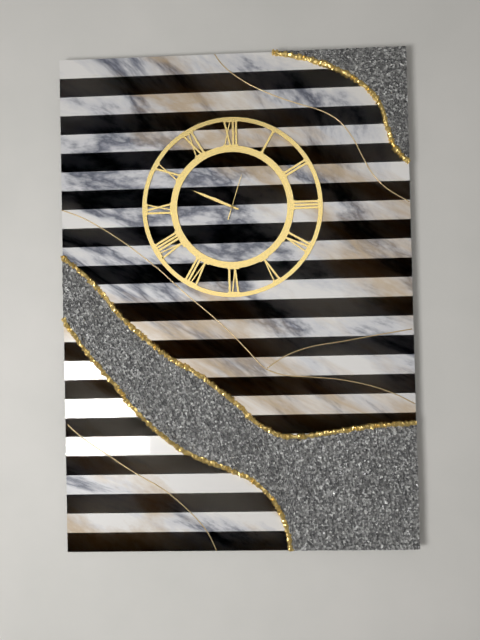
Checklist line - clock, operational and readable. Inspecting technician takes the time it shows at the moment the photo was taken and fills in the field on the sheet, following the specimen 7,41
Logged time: 9,49
